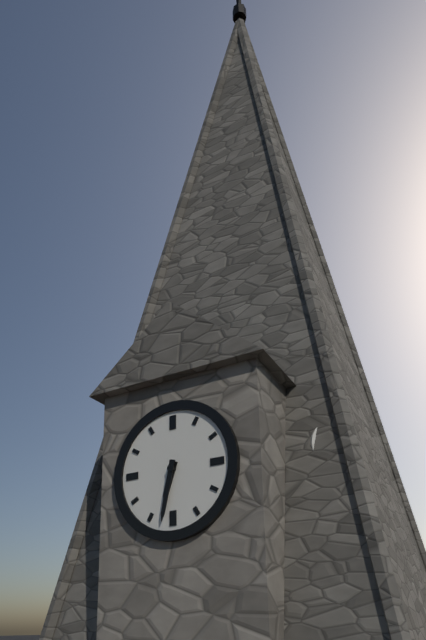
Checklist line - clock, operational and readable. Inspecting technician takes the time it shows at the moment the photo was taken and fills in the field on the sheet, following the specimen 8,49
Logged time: 6,32
